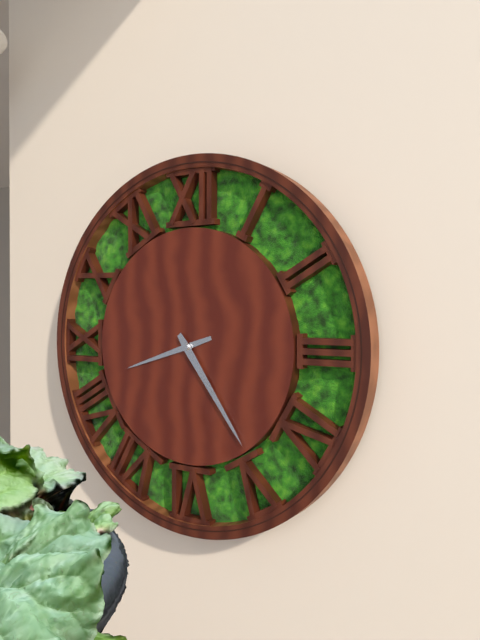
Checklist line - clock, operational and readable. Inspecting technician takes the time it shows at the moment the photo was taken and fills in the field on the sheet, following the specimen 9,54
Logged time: 8,24
